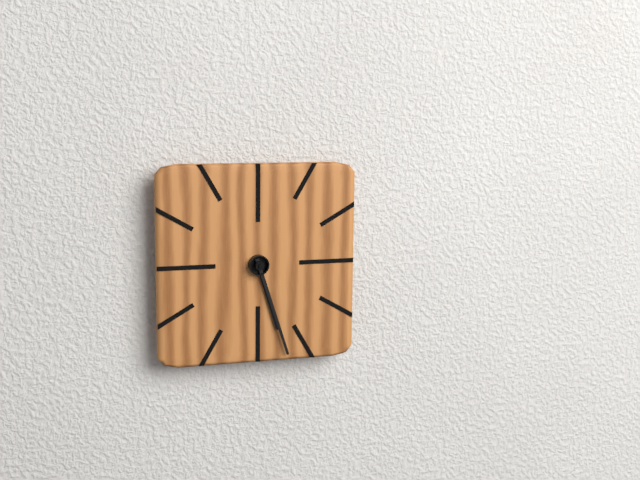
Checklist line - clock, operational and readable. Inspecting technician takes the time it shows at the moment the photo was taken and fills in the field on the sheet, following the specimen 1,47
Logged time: 5,27
